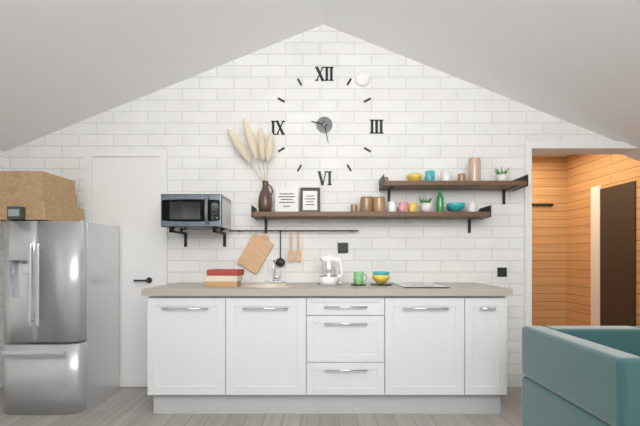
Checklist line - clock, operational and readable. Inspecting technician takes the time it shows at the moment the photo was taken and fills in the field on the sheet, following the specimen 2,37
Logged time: 9,28
